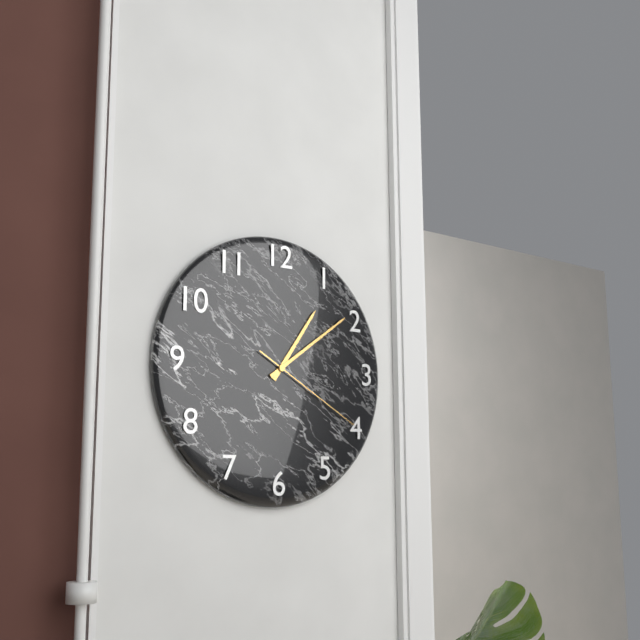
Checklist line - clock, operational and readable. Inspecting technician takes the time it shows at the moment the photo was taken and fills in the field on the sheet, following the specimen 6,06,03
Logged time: 1,09,20
